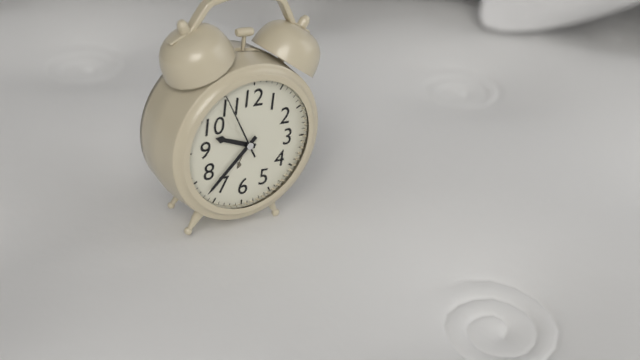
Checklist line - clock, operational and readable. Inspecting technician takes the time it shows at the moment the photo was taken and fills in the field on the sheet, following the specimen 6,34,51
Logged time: 9,37,55
